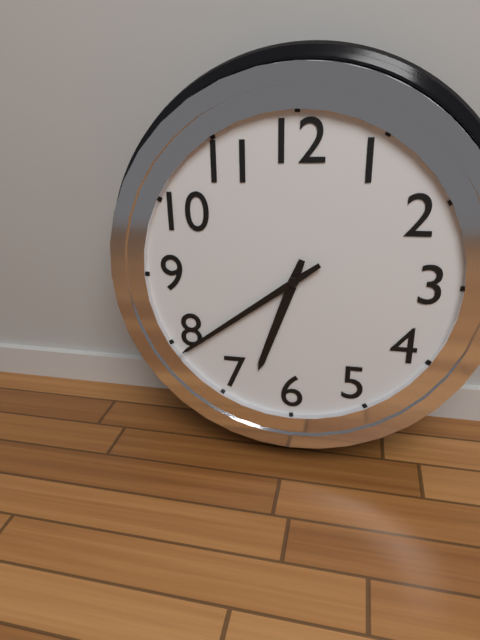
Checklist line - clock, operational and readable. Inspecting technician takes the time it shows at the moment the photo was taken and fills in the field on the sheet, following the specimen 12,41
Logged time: 6,39
